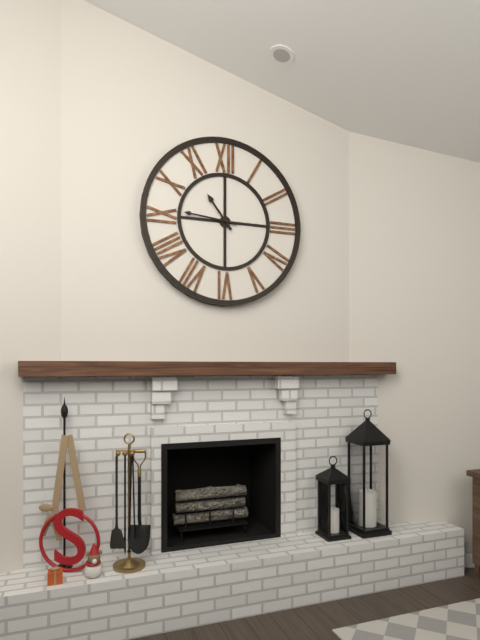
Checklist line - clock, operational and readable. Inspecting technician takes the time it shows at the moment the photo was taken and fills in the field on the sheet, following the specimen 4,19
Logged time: 10,46
